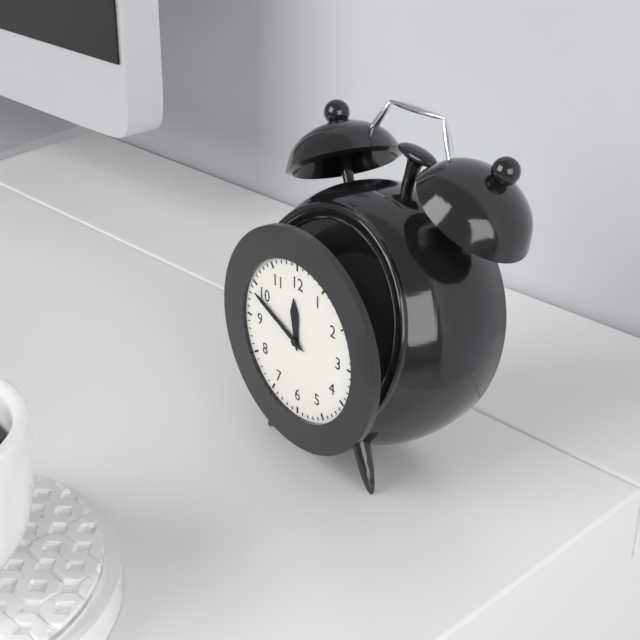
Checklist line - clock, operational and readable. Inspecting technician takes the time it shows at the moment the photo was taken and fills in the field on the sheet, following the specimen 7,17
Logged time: 11,49
